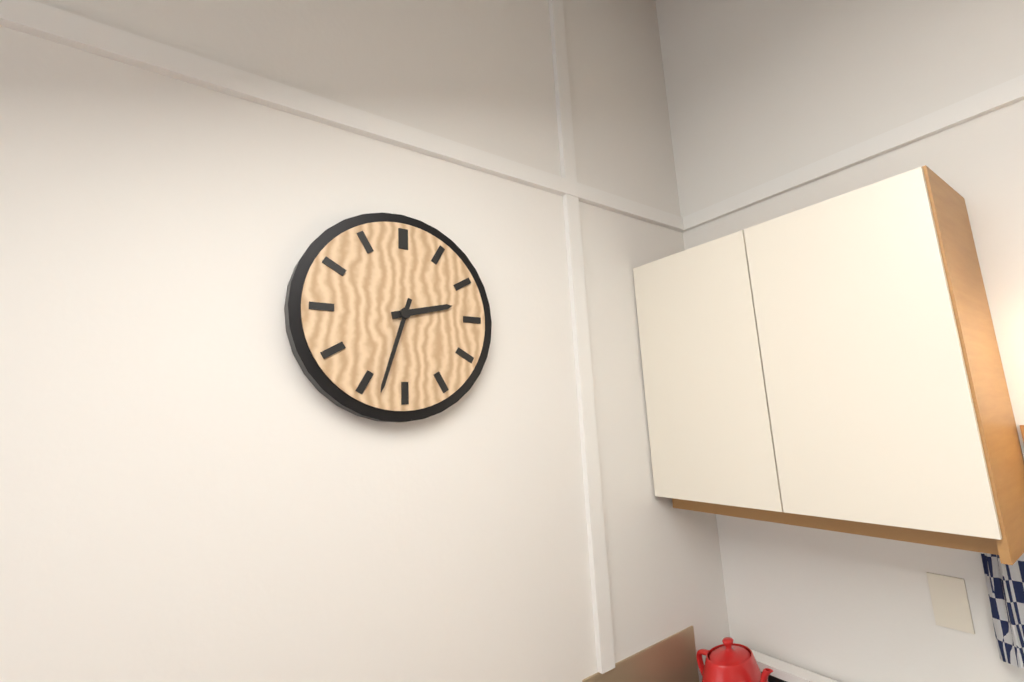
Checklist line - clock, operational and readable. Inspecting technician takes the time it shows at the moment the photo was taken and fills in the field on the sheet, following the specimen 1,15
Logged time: 2,33
